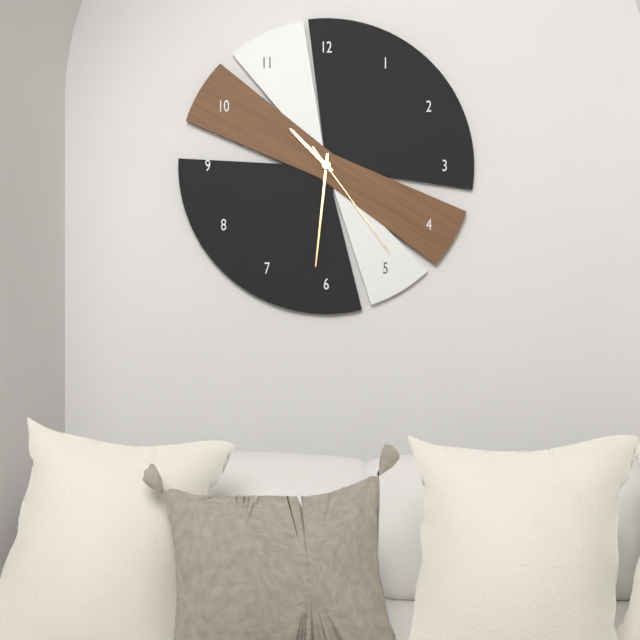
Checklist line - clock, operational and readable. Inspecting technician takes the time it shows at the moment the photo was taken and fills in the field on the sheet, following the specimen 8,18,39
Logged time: 10,31,24
